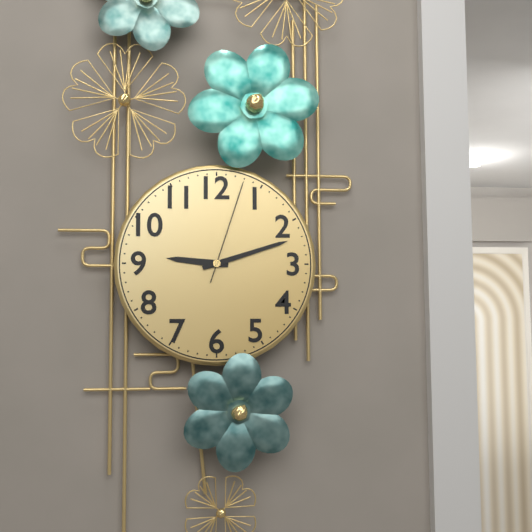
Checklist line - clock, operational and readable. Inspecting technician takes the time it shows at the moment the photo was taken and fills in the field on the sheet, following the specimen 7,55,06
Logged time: 9,12,03
